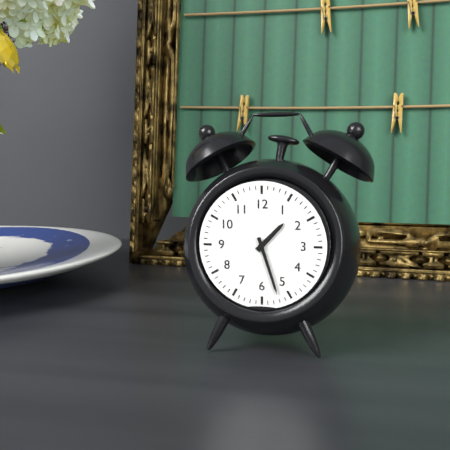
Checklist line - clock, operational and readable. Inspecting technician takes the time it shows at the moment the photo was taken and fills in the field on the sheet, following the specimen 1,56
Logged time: 1,27
